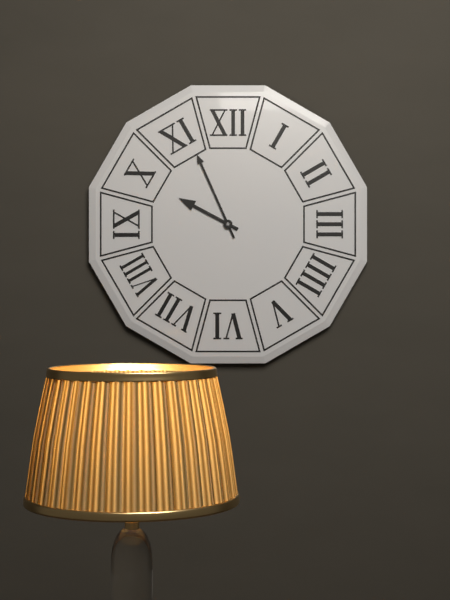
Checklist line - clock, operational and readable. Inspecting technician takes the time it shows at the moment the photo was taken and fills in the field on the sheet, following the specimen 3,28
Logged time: 9,56
